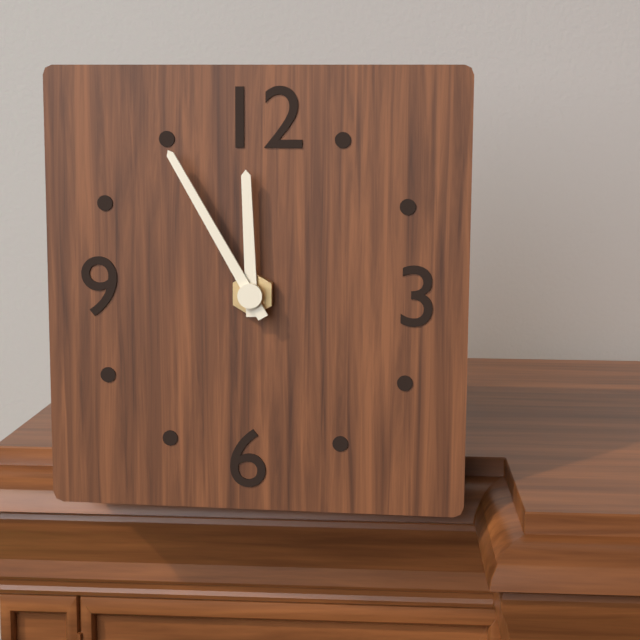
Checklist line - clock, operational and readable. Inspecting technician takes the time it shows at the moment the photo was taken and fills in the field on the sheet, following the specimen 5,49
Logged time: 11,55
